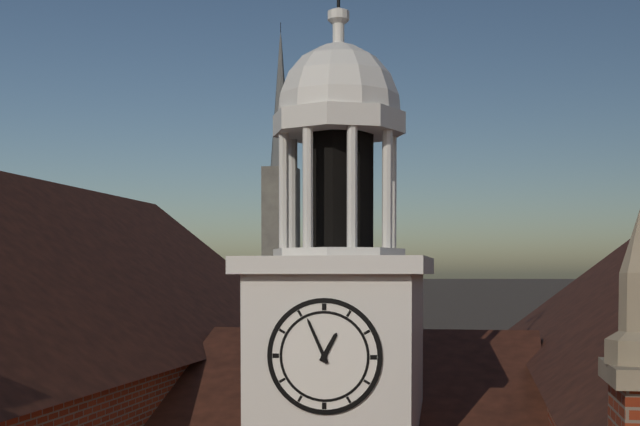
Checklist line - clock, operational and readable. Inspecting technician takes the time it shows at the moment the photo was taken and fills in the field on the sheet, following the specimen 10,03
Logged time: 12,56
